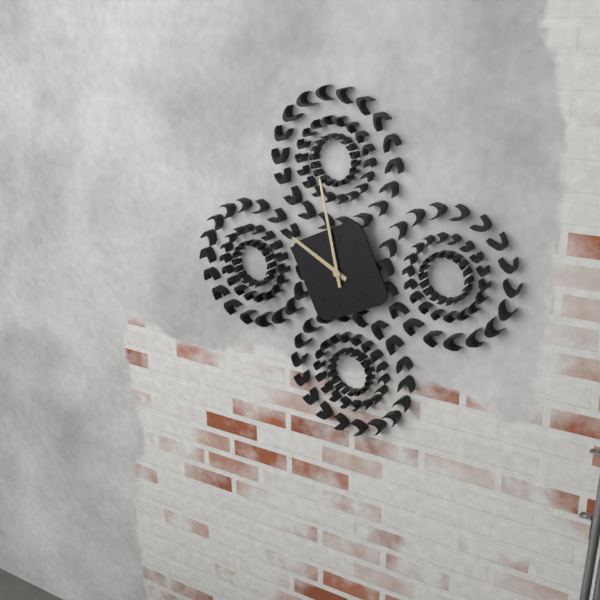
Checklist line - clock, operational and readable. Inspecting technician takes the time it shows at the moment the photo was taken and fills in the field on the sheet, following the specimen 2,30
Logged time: 9,58
